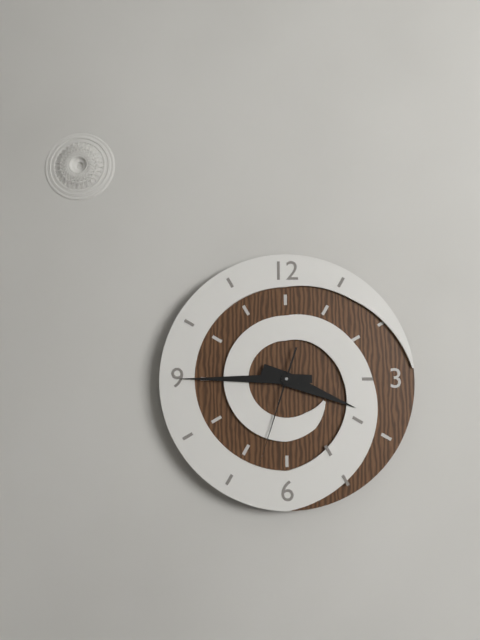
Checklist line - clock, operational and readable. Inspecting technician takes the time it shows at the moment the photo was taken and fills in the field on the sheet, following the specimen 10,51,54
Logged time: 3,45,33
